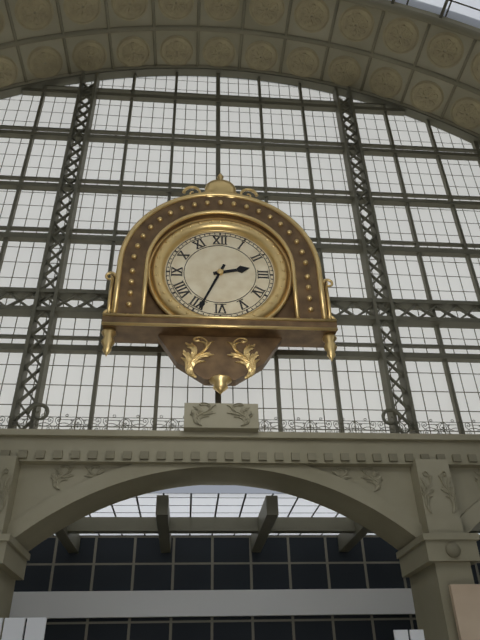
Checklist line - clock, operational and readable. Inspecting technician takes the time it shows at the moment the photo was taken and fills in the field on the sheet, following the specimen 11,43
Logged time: 2,34
